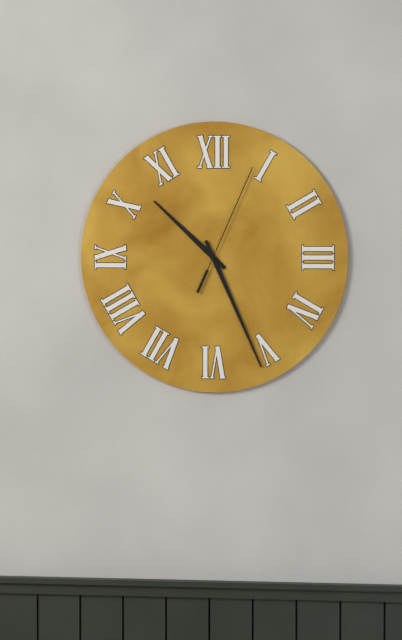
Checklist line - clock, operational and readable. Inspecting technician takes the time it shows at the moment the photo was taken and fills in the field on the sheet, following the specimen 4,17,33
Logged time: 10,26,04
